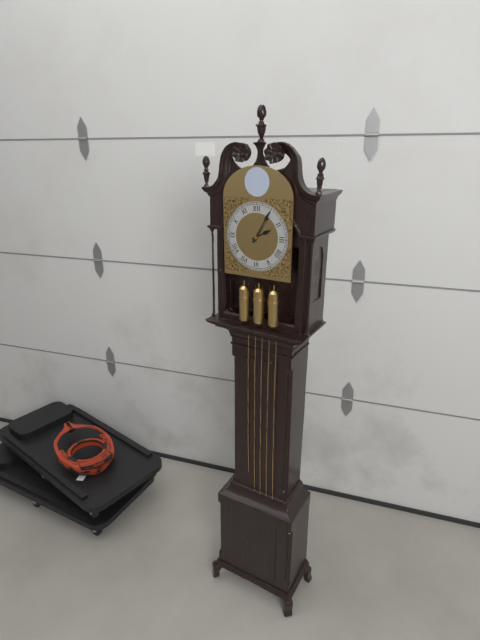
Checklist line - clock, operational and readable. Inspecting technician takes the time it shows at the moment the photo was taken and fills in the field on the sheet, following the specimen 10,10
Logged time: 2,05
